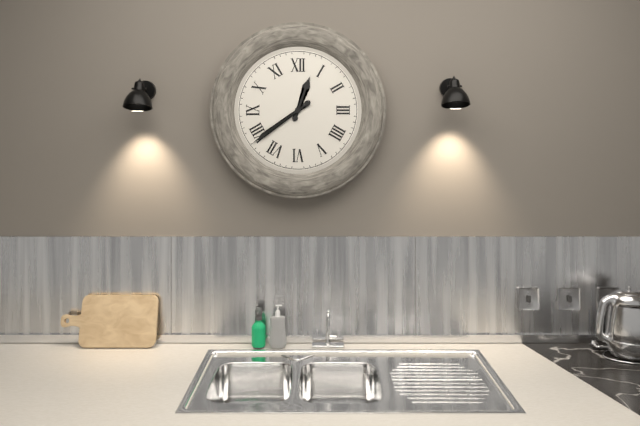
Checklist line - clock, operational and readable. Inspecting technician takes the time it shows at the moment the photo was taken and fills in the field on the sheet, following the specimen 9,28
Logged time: 12,39
